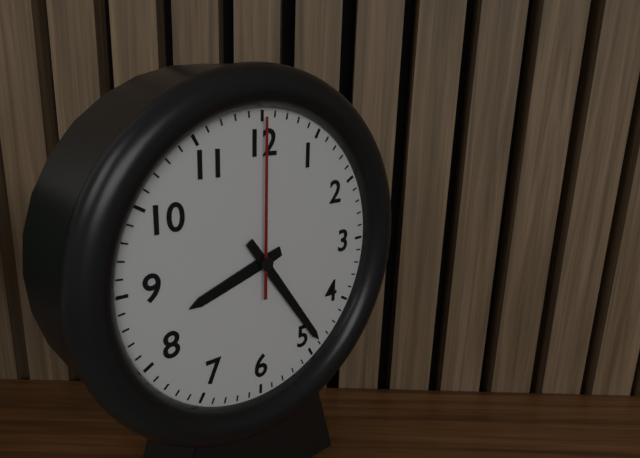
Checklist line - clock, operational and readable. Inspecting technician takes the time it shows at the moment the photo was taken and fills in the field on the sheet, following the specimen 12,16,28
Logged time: 8,24,00
